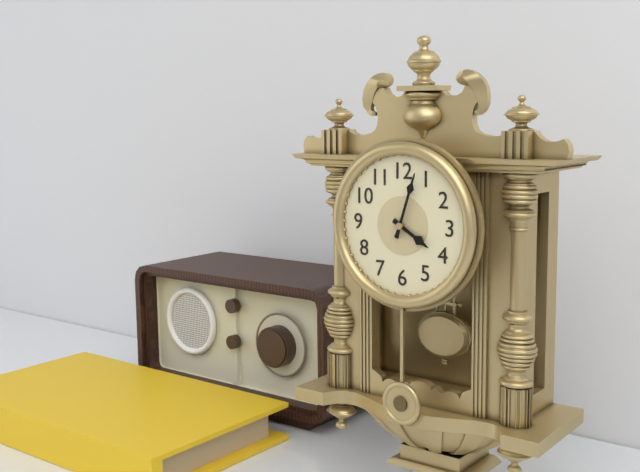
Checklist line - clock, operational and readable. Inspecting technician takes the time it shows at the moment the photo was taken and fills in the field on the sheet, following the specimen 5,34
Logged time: 4,03
